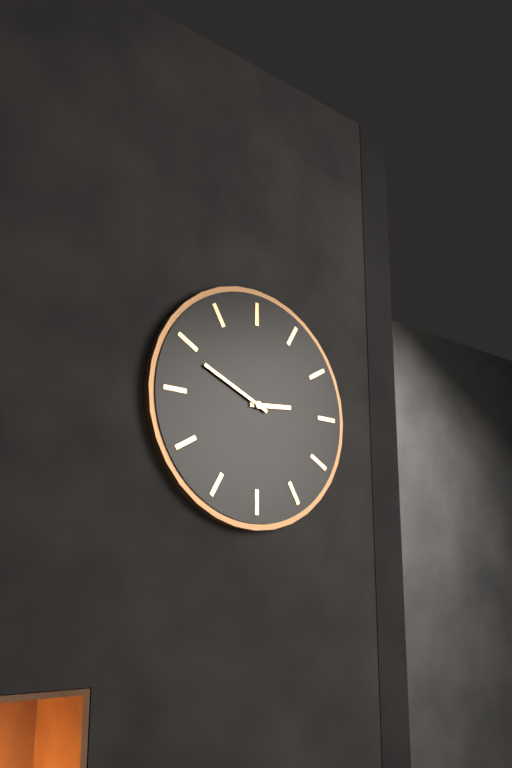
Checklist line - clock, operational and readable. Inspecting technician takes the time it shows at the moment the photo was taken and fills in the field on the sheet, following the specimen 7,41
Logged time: 2,49
